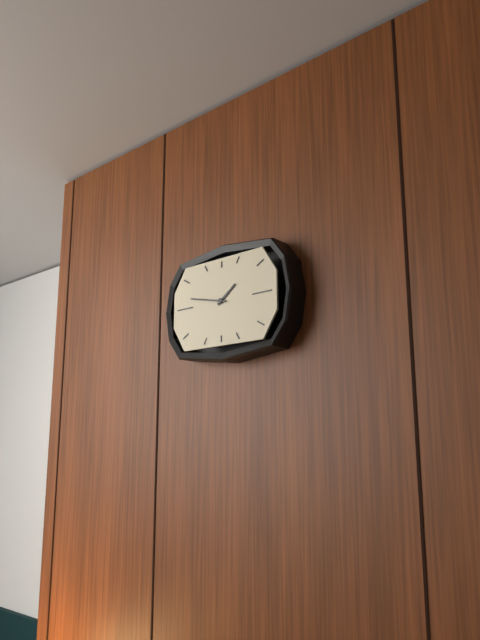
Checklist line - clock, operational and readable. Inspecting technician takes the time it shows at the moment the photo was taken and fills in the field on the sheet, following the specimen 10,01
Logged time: 1,47
